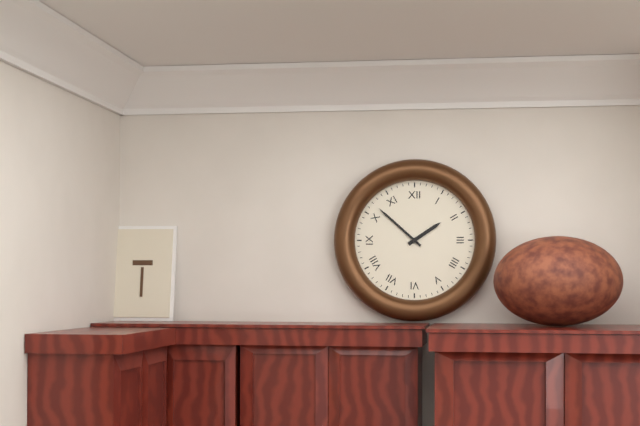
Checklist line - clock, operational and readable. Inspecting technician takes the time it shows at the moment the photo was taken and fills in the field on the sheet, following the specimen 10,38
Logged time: 1,52
